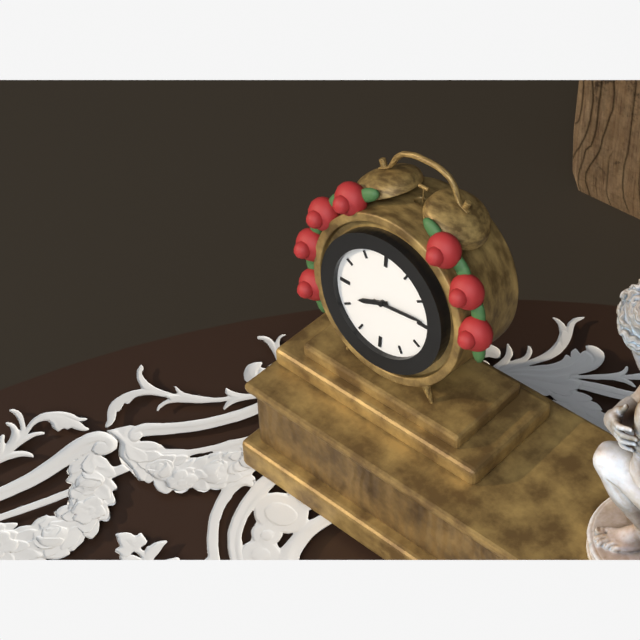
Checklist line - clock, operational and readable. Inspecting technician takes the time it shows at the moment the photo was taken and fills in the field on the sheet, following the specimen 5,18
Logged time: 8,14
